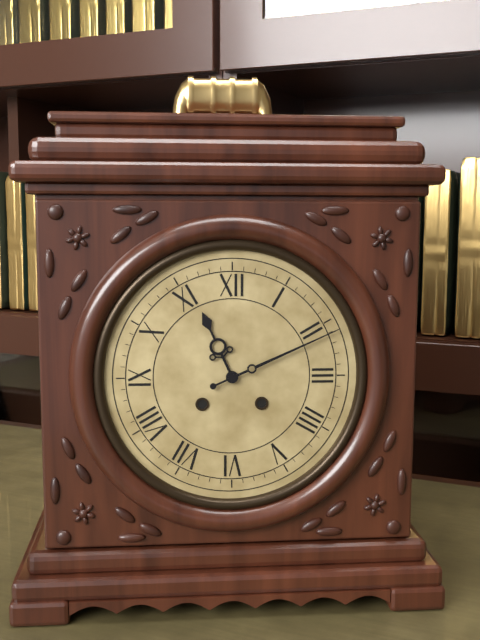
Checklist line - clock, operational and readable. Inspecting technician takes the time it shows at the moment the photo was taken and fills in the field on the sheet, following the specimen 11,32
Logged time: 11,11
